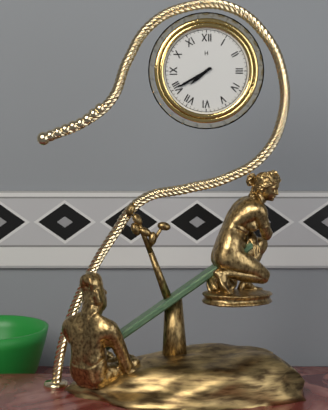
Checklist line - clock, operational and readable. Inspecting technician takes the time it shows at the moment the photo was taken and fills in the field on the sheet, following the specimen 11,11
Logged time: 7,40
